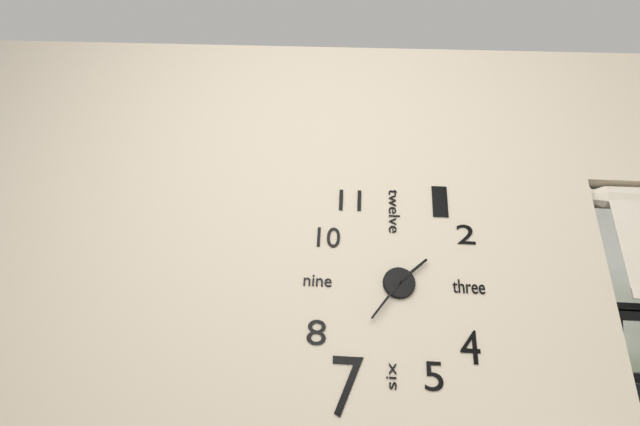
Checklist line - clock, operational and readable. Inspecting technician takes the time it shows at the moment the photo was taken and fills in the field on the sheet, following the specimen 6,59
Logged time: 1,36
